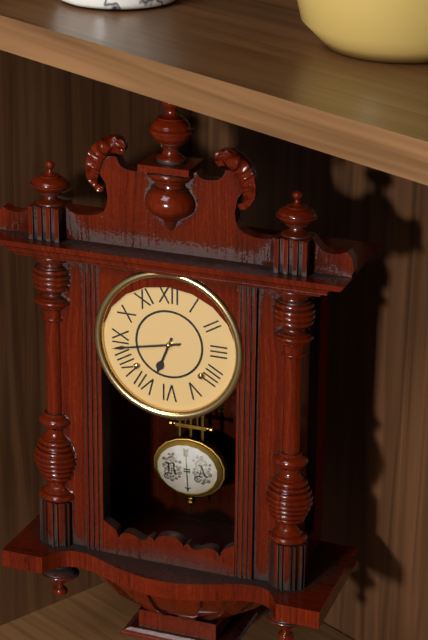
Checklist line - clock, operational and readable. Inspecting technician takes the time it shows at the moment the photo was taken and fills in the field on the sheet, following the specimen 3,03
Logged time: 6,43
